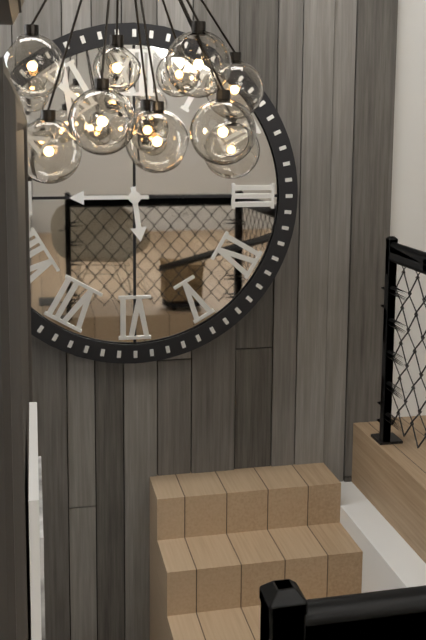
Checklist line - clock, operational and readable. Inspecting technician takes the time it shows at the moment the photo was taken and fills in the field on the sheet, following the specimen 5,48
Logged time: 5,45
